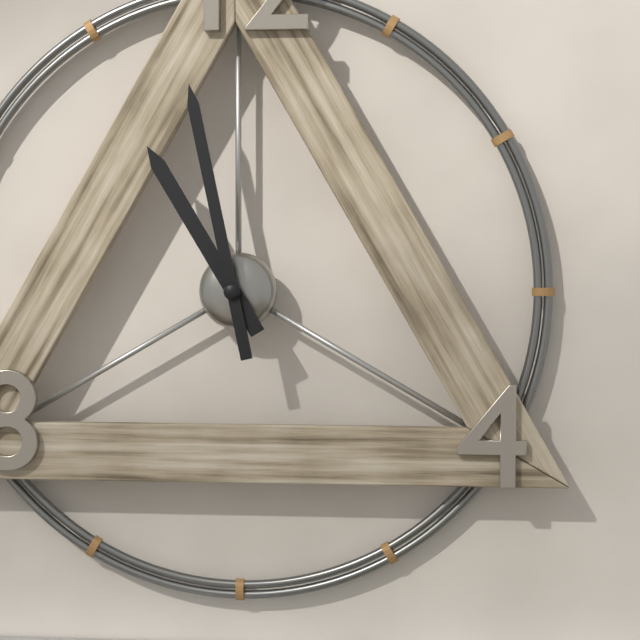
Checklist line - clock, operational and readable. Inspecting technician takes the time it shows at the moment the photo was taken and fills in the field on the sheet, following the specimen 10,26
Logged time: 10,58
